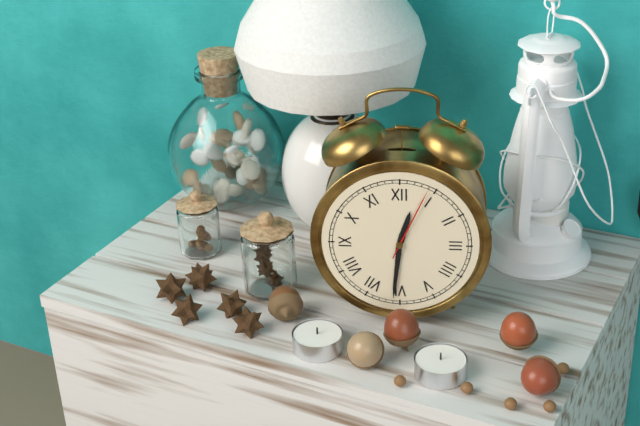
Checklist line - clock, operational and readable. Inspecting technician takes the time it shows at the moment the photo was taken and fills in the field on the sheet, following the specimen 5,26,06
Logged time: 12,31,04
